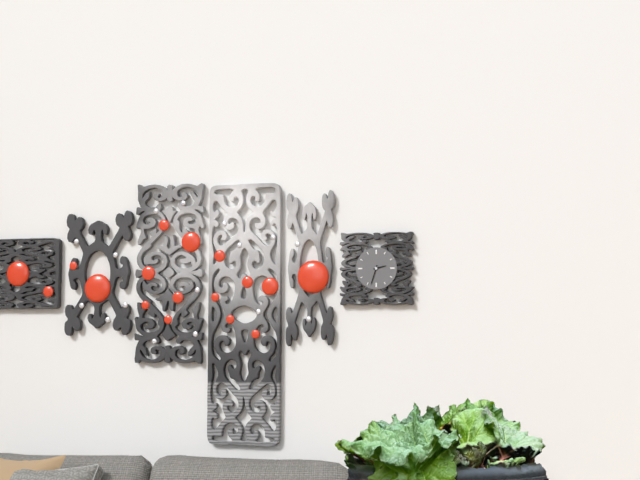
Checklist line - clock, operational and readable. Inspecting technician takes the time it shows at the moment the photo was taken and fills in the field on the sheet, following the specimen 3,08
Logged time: 2,33
